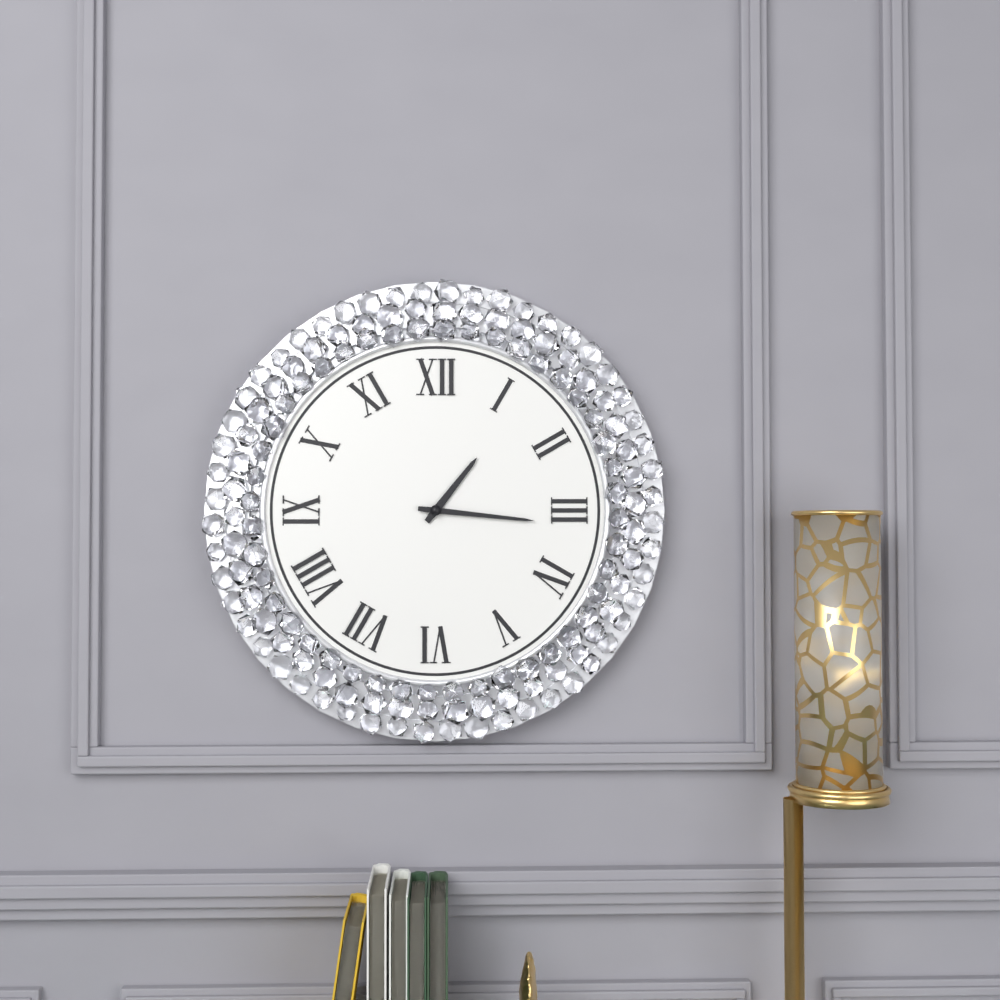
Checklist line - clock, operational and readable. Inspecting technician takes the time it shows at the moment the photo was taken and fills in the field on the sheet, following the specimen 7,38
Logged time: 1,16
